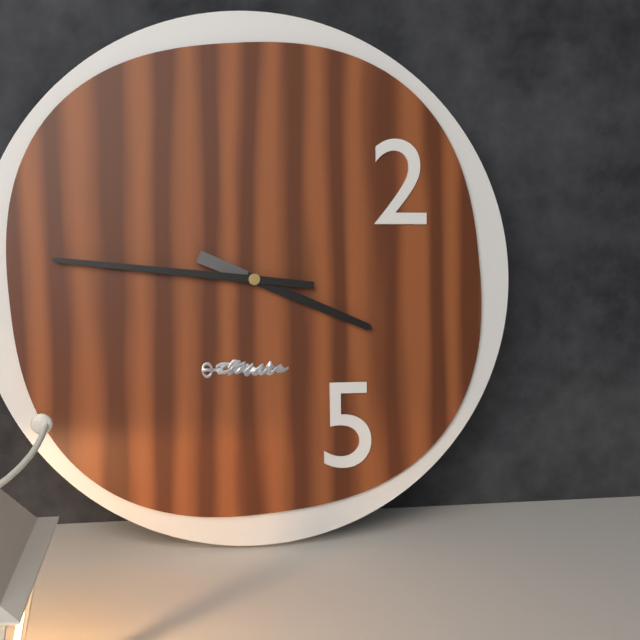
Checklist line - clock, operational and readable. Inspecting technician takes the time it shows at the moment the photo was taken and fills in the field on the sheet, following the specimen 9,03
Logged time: 3,46
